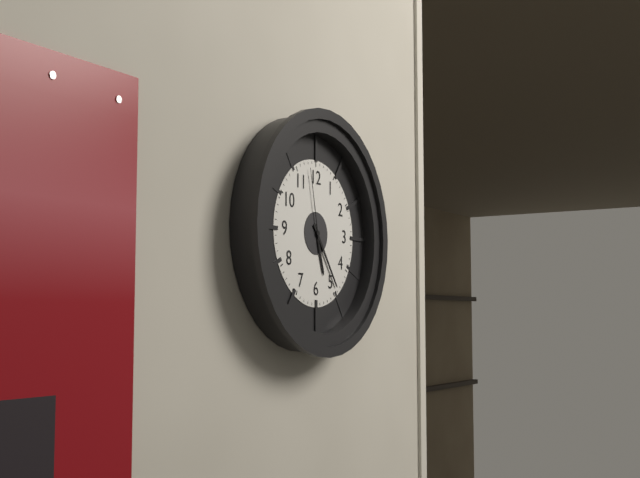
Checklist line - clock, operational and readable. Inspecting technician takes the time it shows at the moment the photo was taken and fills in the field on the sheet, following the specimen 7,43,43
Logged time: 5,24,58
